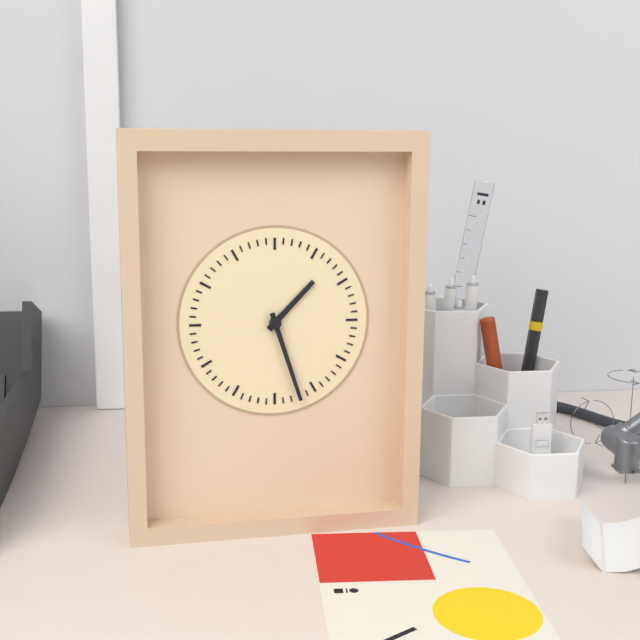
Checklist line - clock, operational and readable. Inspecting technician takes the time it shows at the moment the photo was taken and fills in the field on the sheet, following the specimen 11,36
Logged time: 1,27
